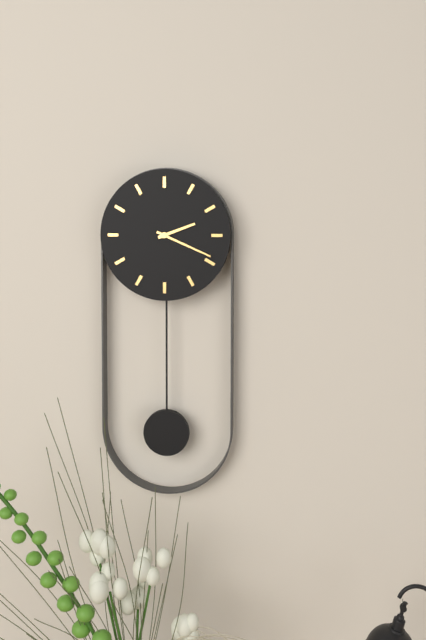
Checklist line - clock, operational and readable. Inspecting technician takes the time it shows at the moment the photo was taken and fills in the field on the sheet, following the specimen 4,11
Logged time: 2,19
